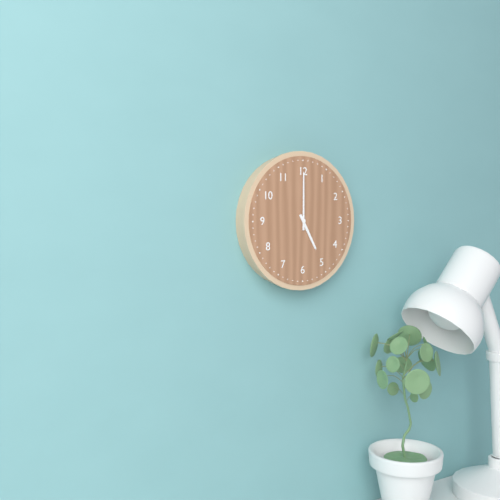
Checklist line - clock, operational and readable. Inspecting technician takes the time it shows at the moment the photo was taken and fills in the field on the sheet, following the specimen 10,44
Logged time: 5,00
